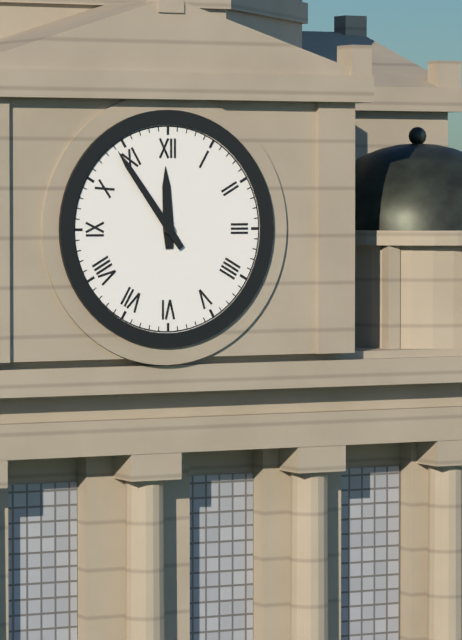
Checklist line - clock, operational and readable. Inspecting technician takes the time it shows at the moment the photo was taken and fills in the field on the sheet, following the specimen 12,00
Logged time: 11,54
